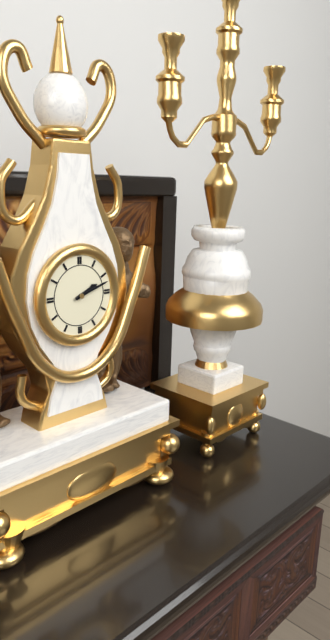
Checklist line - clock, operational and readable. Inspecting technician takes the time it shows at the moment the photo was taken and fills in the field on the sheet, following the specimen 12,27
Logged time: 2,12
